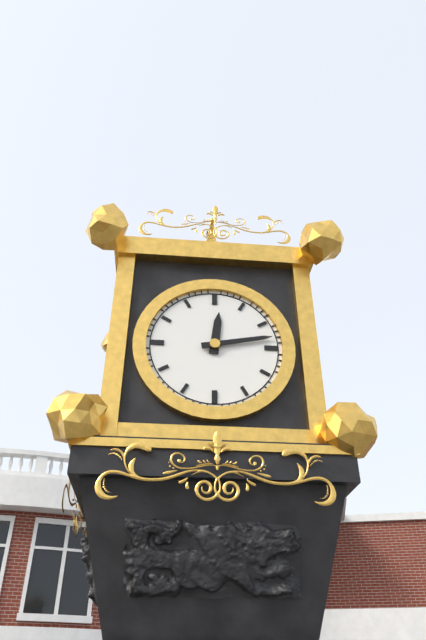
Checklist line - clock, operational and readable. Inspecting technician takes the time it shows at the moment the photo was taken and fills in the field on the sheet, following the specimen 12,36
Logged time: 12,13
